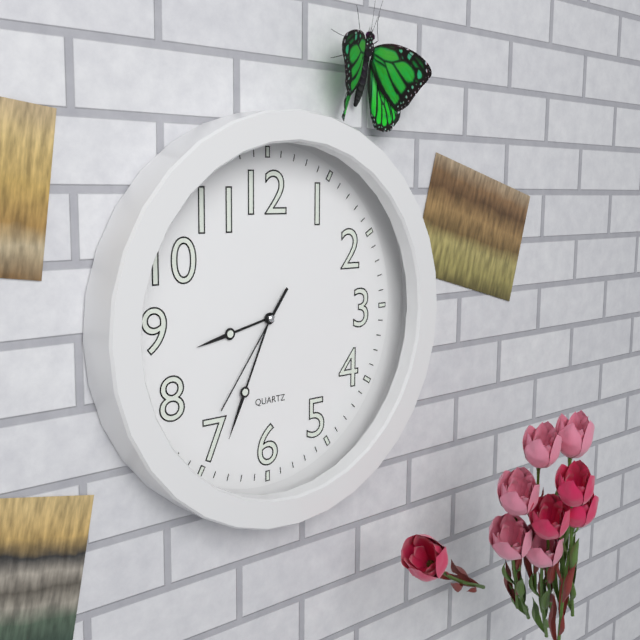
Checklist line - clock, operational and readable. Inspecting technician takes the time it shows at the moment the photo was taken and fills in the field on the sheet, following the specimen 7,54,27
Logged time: 8,34,36
